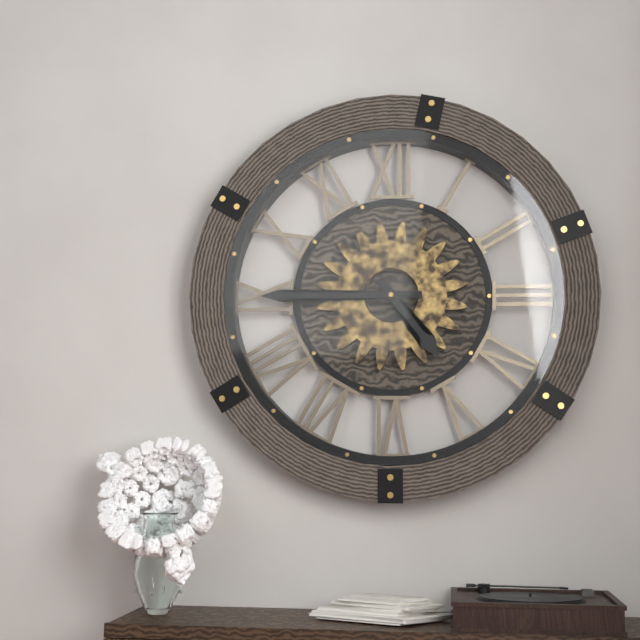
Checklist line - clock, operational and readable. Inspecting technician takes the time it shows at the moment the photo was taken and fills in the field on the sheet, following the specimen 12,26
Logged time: 4,45
